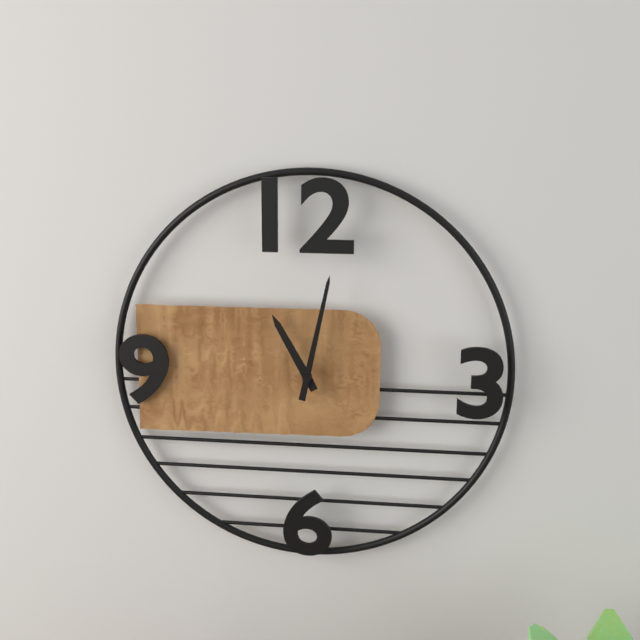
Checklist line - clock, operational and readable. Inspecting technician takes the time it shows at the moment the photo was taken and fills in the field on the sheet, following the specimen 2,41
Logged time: 11,02
